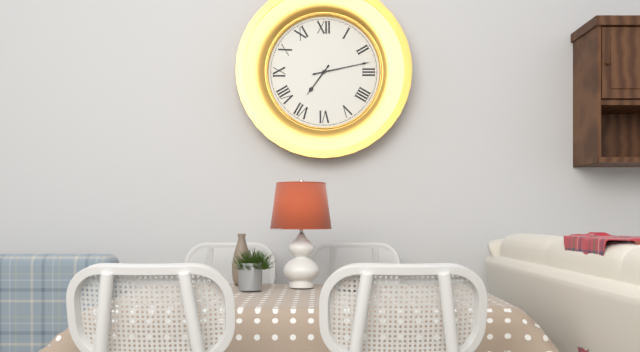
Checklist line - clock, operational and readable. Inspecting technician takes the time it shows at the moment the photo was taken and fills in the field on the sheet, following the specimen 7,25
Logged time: 7,13
